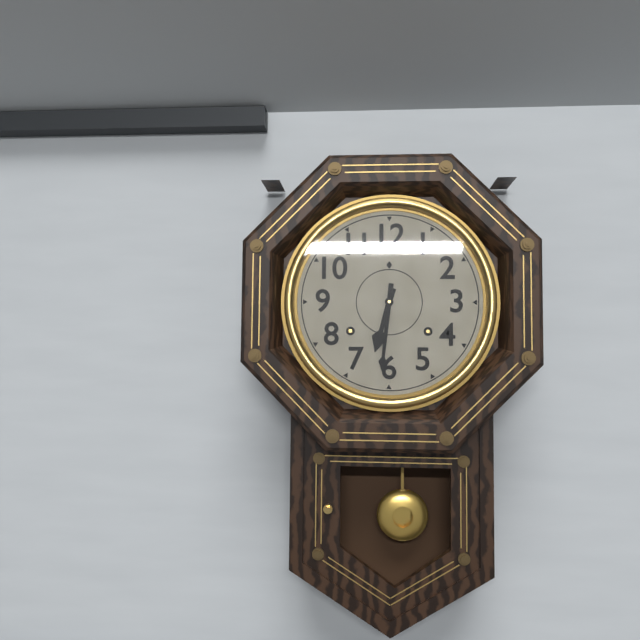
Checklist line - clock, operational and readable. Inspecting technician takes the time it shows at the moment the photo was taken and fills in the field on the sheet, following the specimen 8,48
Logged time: 6,31
